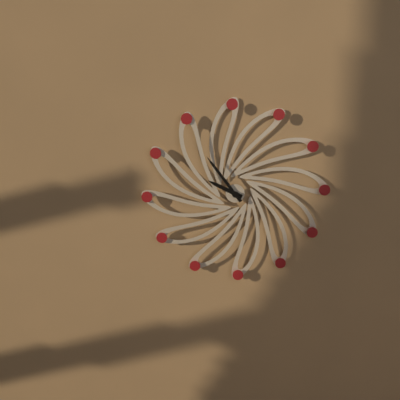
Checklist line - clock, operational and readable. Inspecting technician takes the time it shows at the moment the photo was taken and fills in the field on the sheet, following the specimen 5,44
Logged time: 9,54
